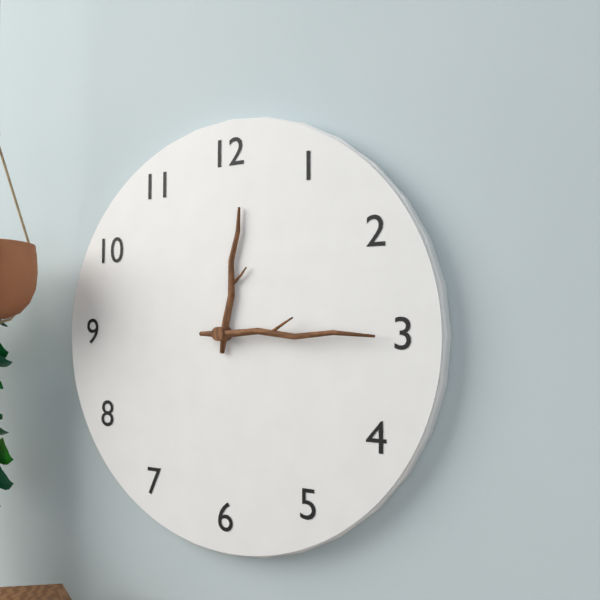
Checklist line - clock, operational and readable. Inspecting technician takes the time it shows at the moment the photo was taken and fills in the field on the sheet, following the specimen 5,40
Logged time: 12,15
